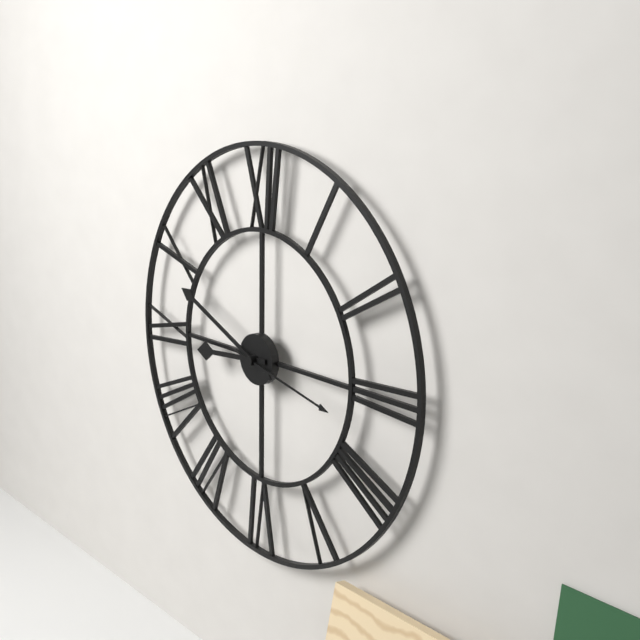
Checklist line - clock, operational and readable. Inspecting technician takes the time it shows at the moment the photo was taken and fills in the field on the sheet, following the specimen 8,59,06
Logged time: 8,49,17
